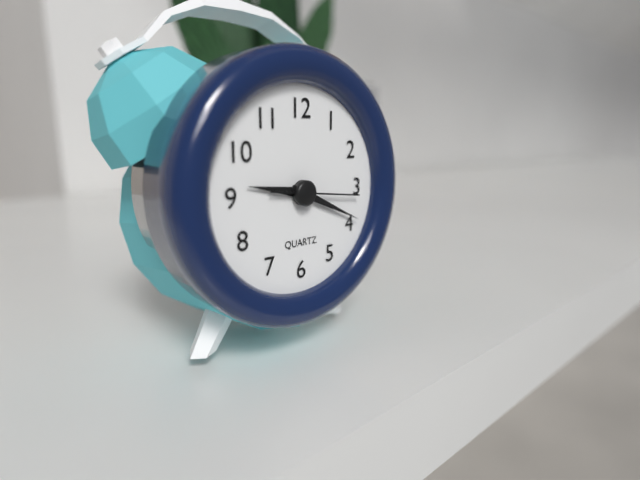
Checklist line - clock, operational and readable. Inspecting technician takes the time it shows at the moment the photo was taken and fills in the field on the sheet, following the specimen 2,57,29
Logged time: 9,19,16
